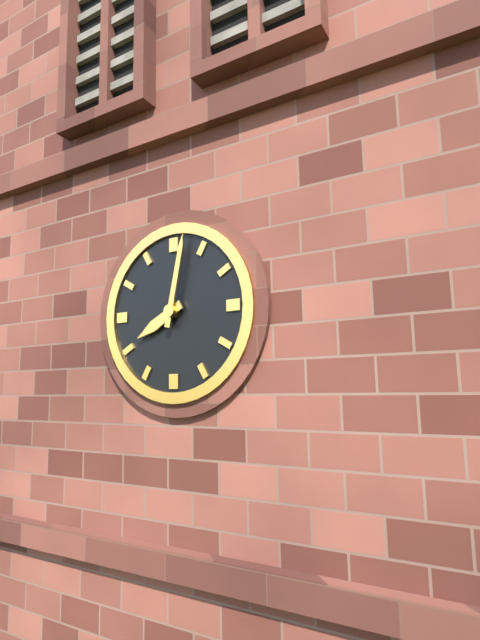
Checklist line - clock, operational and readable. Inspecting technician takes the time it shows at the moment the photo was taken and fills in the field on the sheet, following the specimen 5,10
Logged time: 8,02
